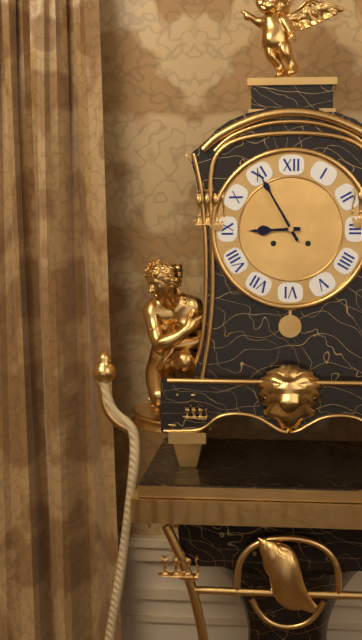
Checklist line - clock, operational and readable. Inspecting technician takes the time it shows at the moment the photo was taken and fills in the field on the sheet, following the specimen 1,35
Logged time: 8,55
